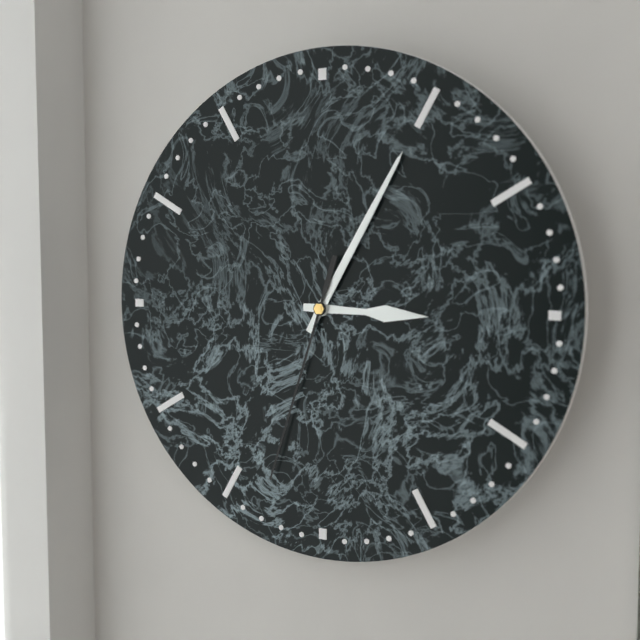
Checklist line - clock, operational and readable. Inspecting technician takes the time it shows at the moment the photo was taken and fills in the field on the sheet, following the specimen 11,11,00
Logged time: 3,05,33
